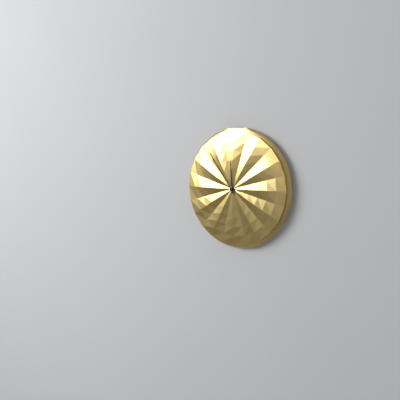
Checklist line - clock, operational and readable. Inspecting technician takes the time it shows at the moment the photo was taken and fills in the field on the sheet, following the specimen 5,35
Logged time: 11,54
